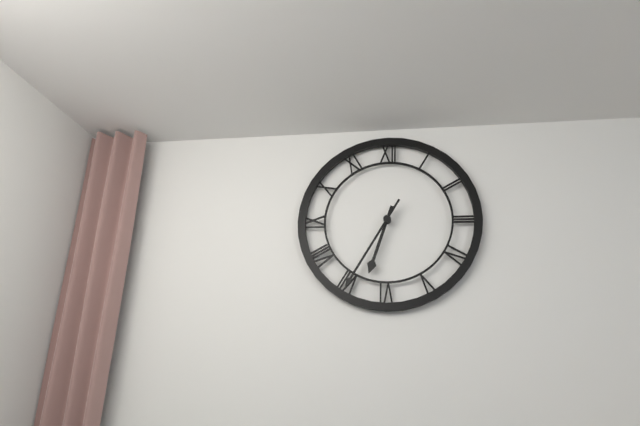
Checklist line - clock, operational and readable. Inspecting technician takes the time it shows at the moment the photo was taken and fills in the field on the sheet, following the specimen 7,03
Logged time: 6,35
